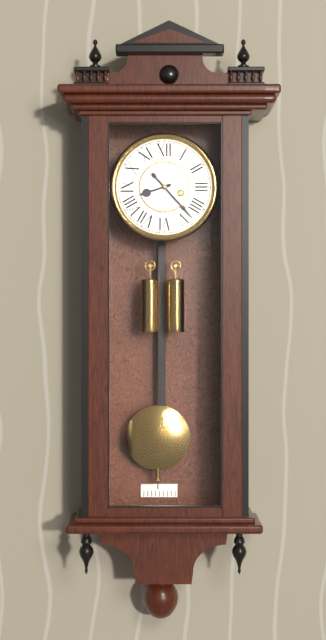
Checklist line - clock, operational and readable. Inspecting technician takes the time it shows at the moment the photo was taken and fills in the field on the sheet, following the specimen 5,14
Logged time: 8,23
